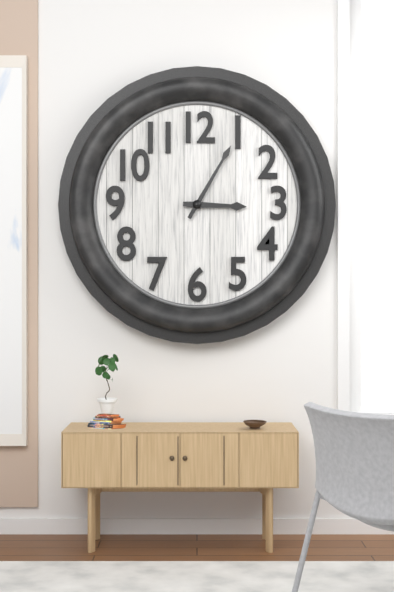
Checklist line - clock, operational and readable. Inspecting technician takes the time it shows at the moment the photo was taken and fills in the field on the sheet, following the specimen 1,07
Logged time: 3,05
